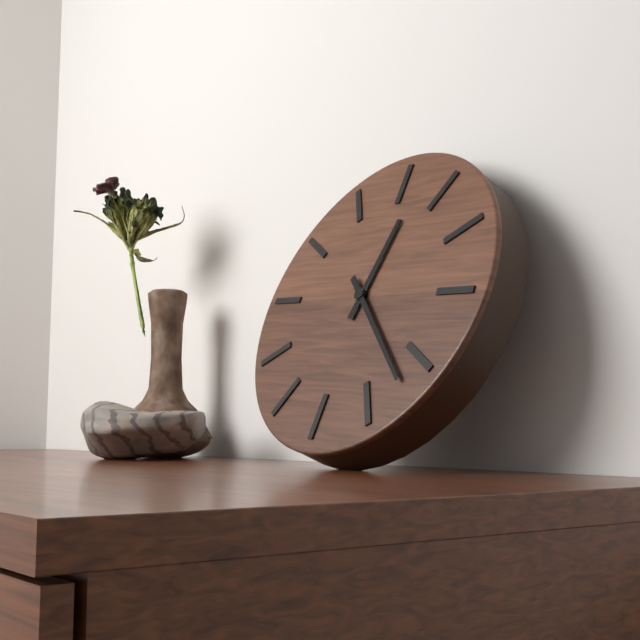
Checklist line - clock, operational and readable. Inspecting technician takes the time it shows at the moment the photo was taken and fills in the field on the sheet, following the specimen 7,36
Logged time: 12,22
